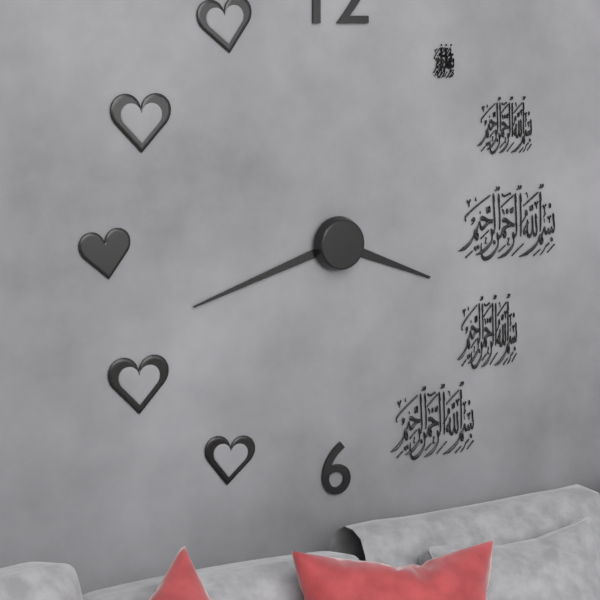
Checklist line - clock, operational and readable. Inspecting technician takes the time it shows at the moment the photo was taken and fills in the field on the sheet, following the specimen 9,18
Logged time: 3,42
